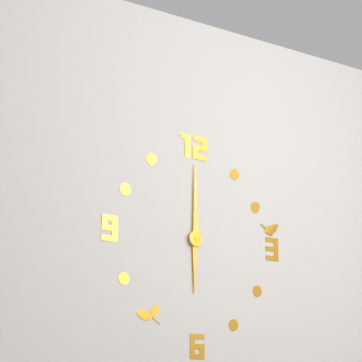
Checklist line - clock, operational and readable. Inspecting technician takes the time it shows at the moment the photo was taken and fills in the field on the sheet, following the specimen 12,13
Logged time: 6,00
